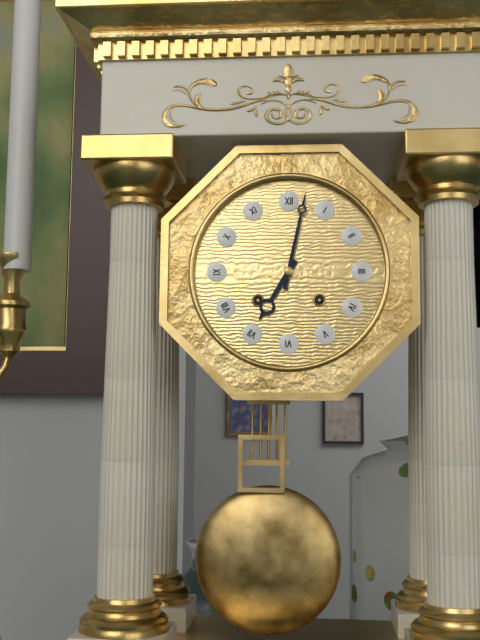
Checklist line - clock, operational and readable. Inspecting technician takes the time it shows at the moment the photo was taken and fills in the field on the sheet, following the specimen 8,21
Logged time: 7,02
